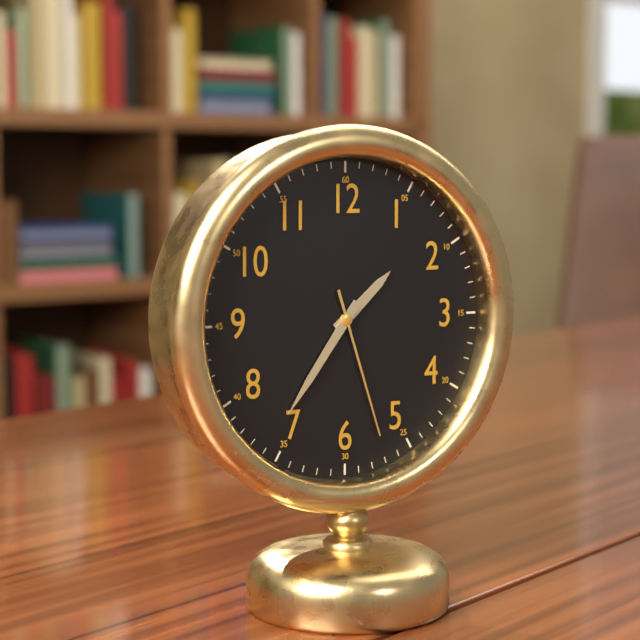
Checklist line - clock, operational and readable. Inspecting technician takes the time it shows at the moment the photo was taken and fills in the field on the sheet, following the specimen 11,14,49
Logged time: 1,36,27
